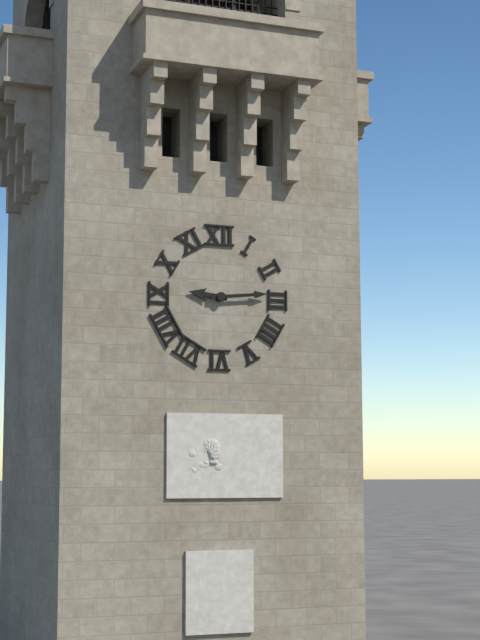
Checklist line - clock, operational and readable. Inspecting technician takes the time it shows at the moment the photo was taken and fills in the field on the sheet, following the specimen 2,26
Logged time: 9,14
